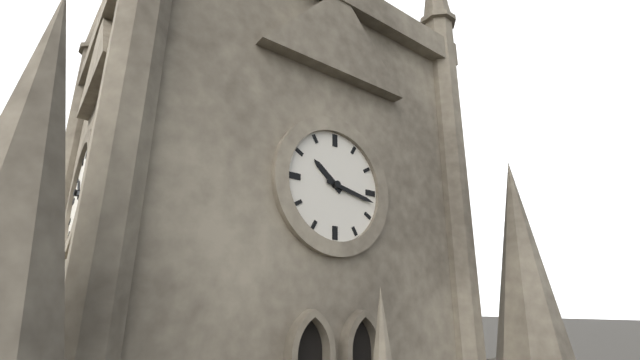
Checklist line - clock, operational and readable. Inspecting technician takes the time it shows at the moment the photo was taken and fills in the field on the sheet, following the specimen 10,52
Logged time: 10,17
